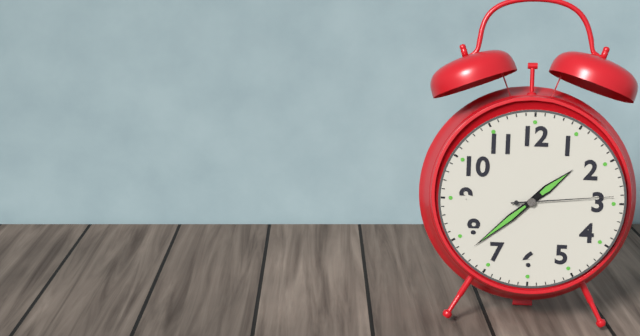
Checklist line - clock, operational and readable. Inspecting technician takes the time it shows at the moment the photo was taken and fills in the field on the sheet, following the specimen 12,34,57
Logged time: 1,38,14
